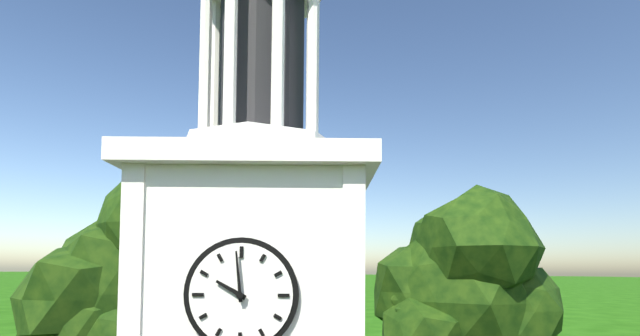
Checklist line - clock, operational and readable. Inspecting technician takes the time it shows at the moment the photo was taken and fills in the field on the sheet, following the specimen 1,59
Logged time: 9,59
